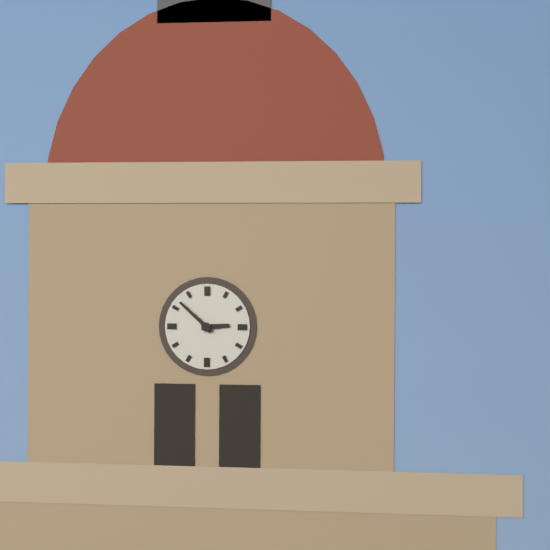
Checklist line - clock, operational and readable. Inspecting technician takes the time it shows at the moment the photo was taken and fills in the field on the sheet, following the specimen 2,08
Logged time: 2,52
